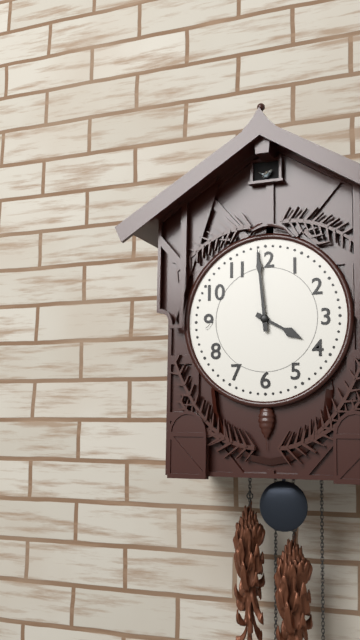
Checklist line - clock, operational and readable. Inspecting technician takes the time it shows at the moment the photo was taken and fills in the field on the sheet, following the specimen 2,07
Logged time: 3,59
